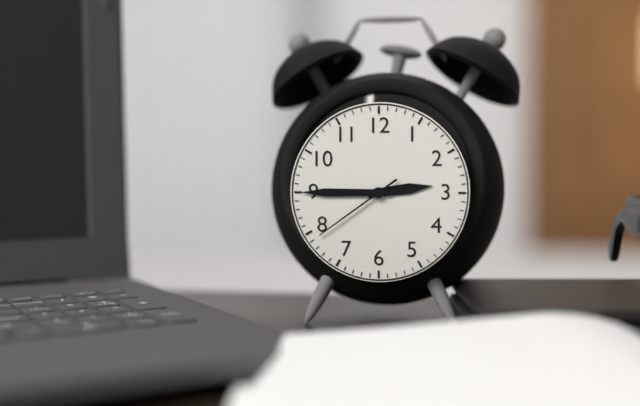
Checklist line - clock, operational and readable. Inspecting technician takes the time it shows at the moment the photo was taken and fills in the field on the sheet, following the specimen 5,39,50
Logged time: 2,45,39
